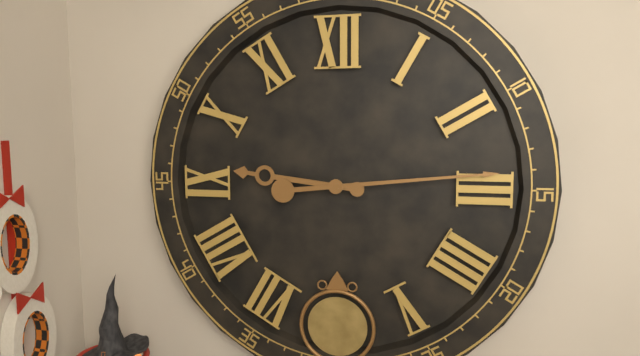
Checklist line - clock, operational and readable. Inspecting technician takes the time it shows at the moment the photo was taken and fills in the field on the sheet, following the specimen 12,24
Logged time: 9,14
